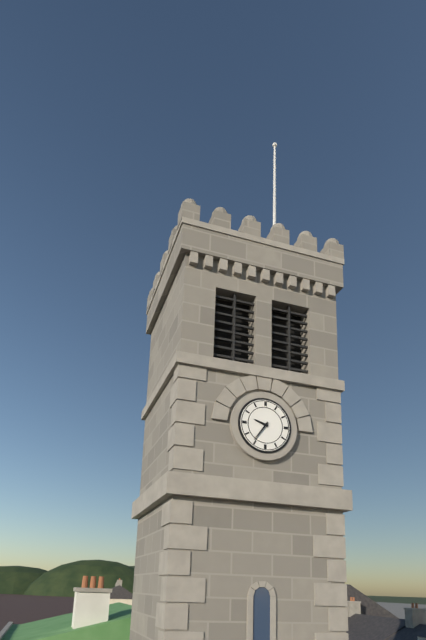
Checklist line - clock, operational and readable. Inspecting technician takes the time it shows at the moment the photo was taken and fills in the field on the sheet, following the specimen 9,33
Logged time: 9,36
